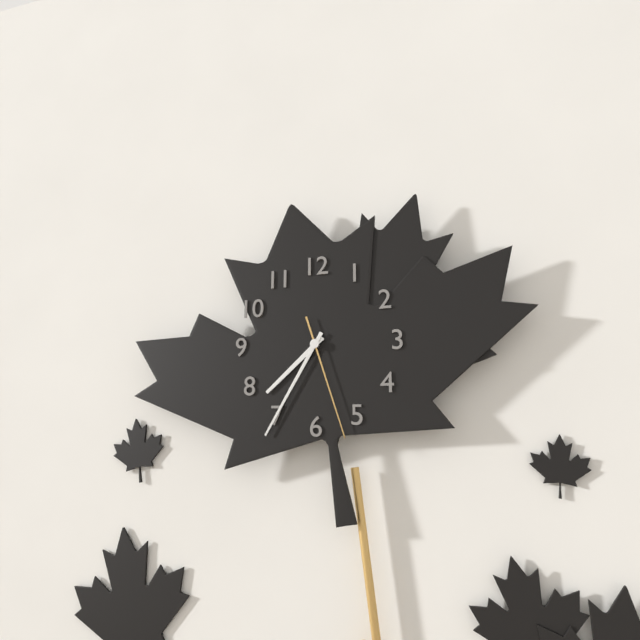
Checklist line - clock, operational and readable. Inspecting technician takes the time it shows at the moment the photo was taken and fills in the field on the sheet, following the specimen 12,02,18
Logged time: 7,35,27
